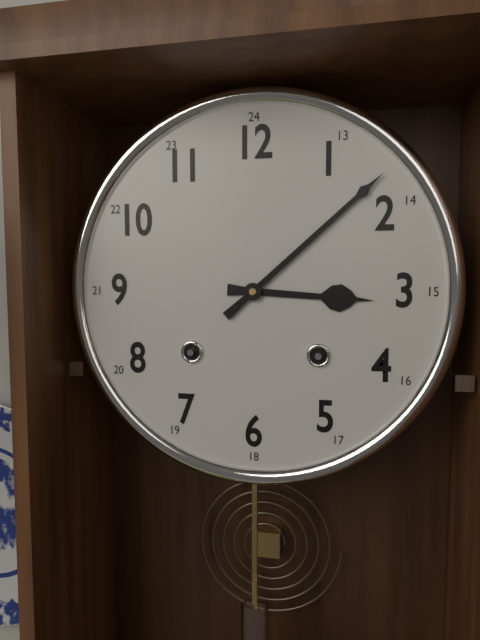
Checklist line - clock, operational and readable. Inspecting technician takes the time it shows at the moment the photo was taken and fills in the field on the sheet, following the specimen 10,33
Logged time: 3,08
